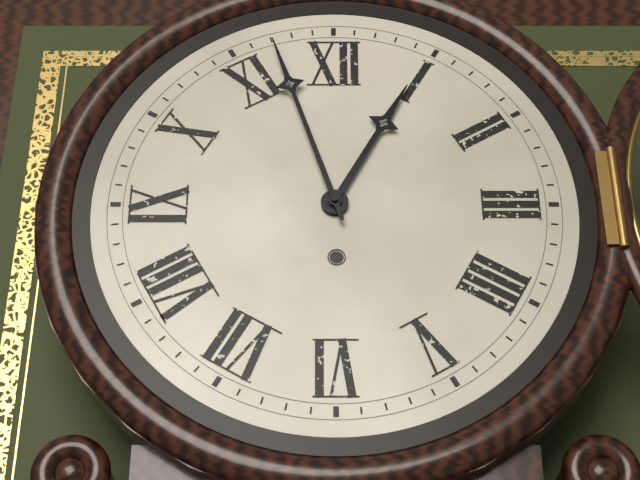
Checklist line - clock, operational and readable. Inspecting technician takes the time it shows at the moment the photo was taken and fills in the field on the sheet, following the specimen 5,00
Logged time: 12,57
